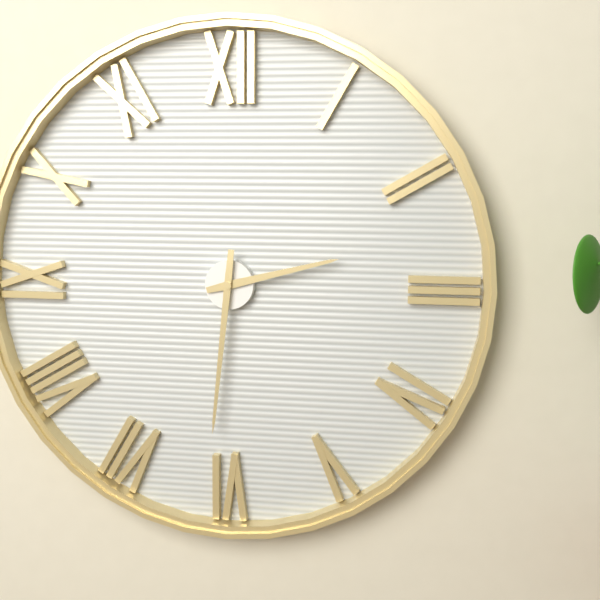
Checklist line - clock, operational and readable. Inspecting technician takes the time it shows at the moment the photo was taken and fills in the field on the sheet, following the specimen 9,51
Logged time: 2,31
